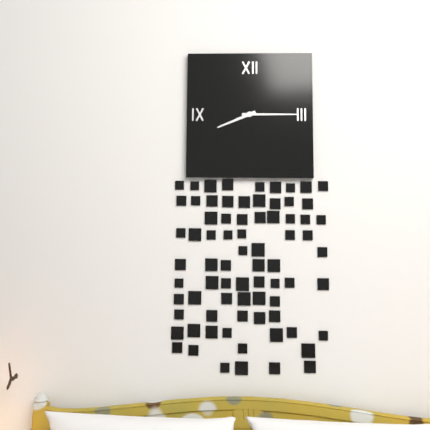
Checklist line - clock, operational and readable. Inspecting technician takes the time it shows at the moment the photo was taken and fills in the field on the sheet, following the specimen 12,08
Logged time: 8,15
